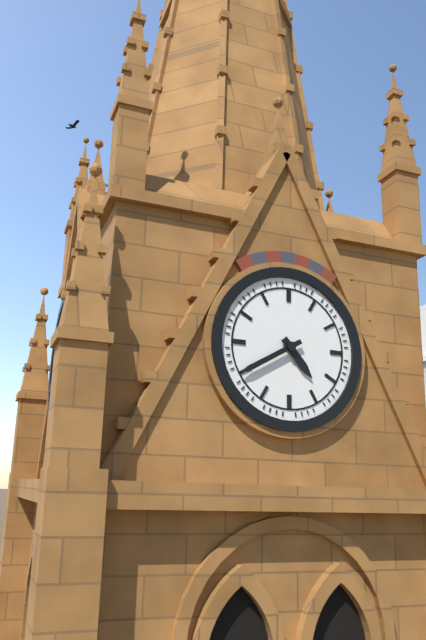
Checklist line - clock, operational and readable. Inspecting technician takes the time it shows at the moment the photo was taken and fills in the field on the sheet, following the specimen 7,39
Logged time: 4,40
